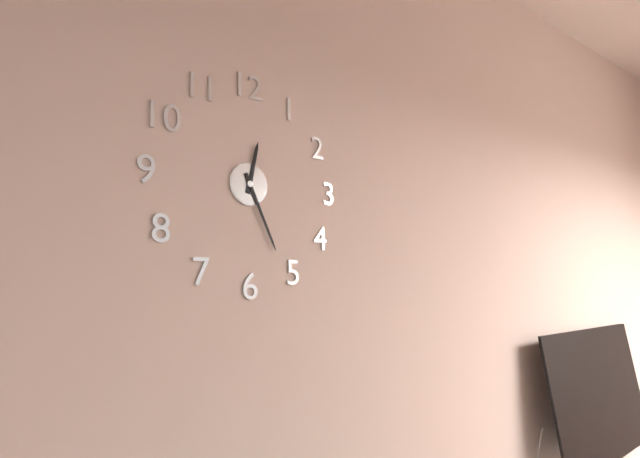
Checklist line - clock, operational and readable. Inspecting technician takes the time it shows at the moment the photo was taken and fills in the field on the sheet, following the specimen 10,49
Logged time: 12,26
